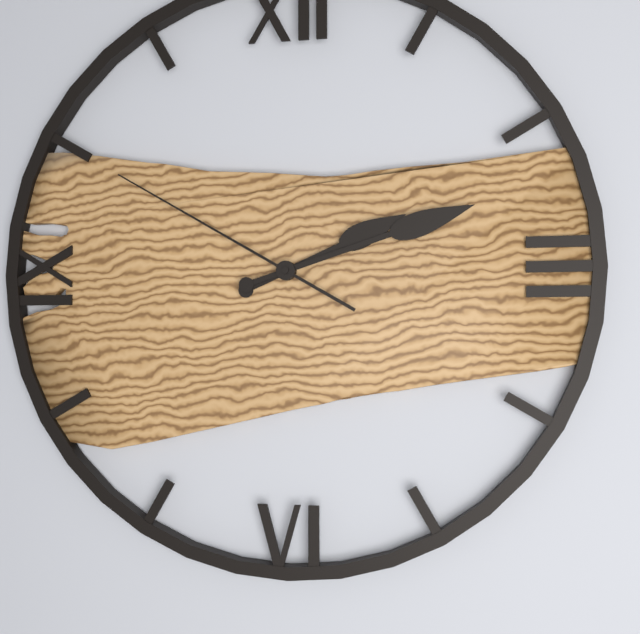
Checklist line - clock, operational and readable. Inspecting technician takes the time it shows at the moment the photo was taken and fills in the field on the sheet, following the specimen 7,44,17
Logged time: 2,12,50
